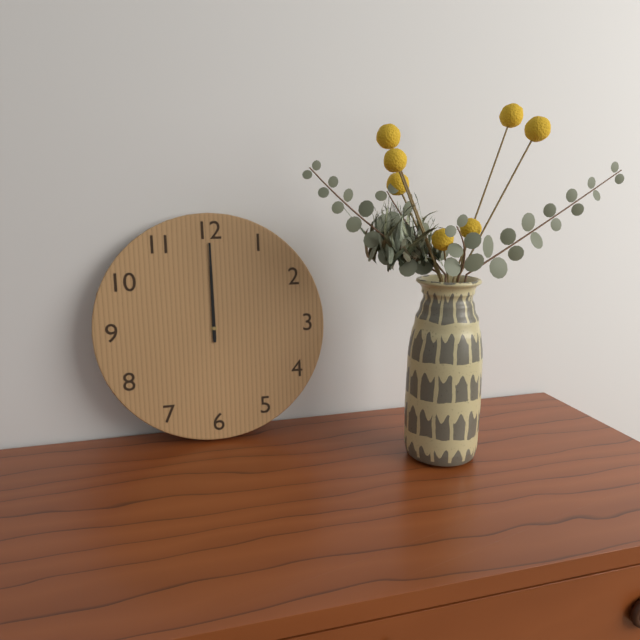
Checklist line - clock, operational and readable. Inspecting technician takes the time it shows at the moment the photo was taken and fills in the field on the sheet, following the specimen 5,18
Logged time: 12,00
